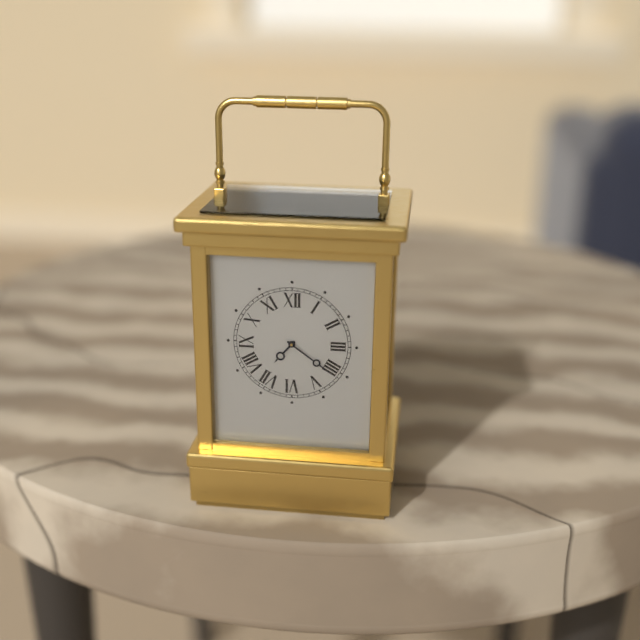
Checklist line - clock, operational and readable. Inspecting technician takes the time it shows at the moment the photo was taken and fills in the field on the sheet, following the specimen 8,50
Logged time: 7,21
